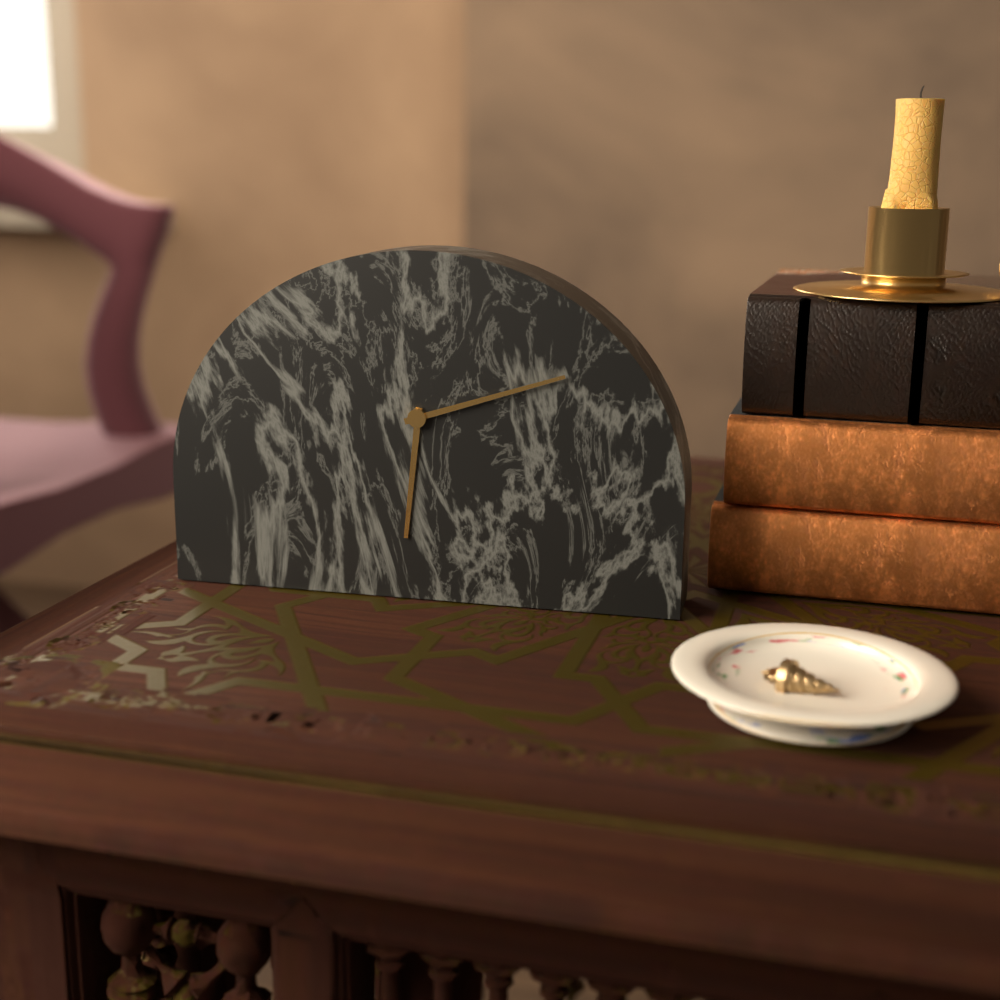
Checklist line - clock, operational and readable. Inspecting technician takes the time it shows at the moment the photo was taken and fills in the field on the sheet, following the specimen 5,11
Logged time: 6,12
